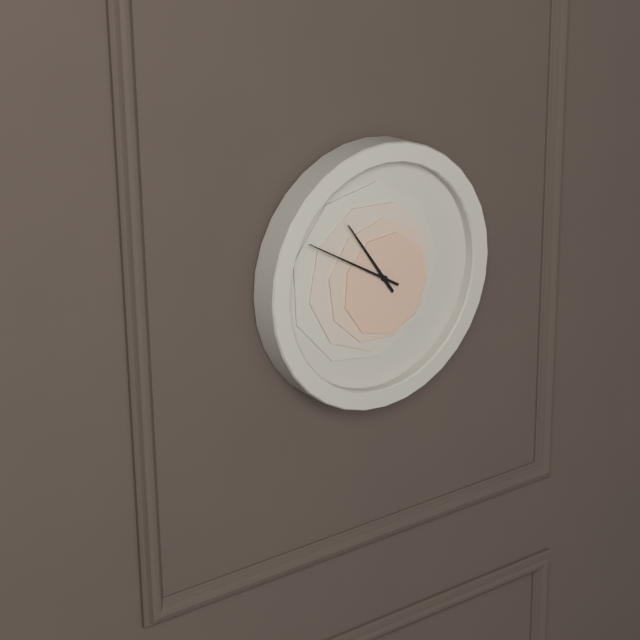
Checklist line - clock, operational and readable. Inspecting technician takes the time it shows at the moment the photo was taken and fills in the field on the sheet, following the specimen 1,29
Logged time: 10,50
